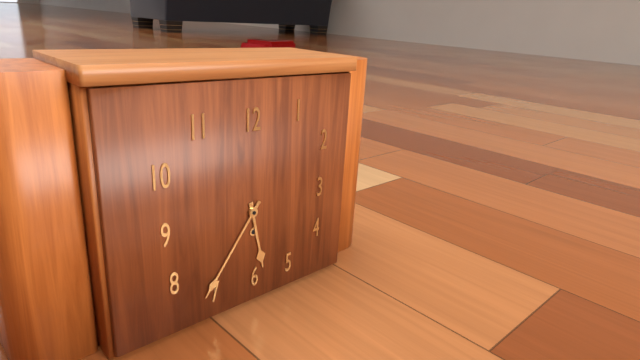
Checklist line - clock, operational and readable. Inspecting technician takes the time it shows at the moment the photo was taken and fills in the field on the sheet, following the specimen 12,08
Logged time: 5,36
